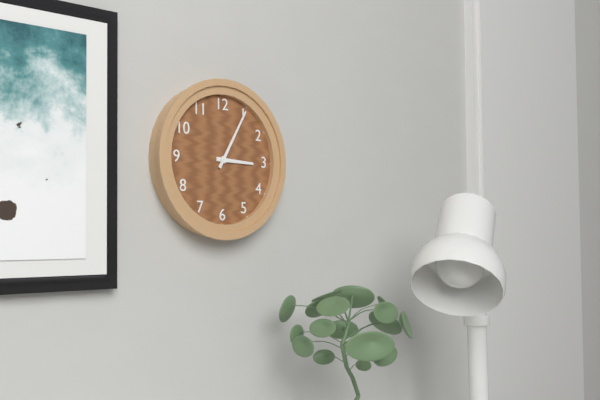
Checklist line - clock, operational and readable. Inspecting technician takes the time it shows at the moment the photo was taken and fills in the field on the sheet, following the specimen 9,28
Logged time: 3,05
